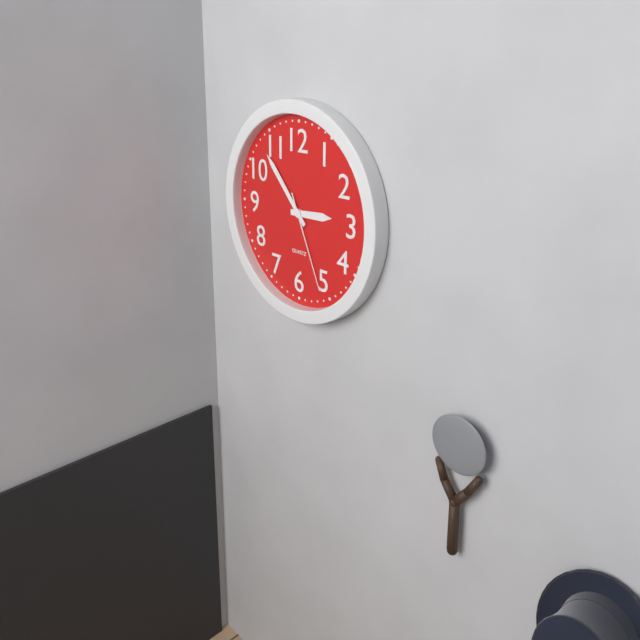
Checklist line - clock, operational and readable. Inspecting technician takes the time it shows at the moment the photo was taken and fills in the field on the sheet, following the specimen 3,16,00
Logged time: 2,53,26
